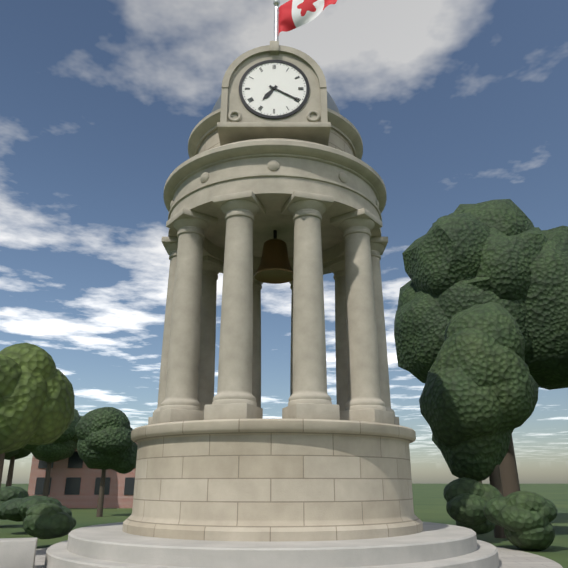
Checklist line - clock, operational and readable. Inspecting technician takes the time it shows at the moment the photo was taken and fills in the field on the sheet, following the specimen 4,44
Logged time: 7,20
